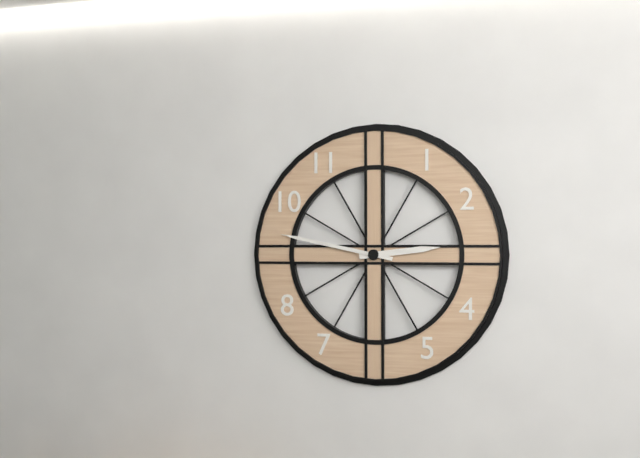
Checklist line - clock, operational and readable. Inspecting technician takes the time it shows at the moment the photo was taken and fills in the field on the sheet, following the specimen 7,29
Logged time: 2,47
